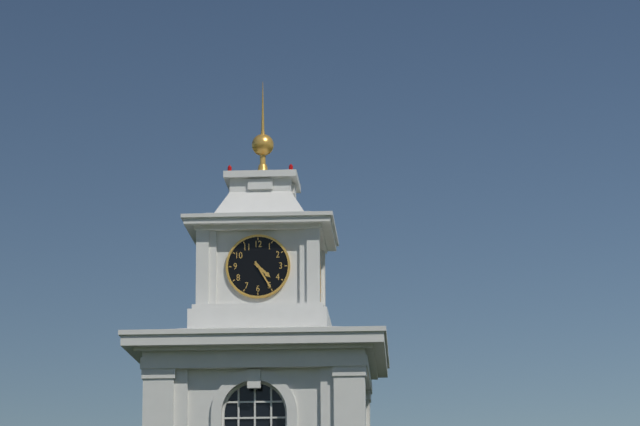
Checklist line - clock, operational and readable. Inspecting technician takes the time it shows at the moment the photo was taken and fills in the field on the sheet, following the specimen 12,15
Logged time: 4,25
